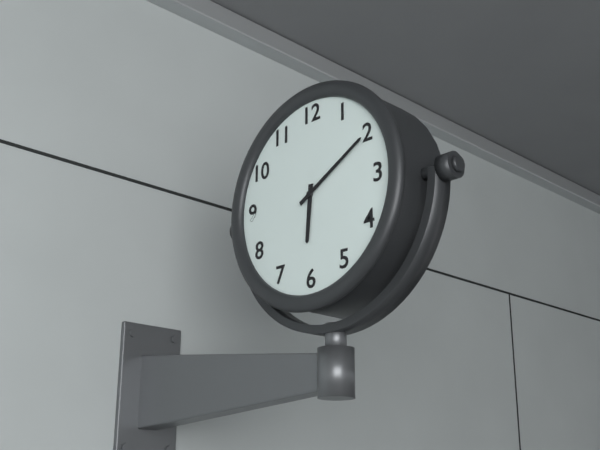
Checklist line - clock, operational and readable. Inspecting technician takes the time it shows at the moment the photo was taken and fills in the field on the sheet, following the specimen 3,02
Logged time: 6,10
